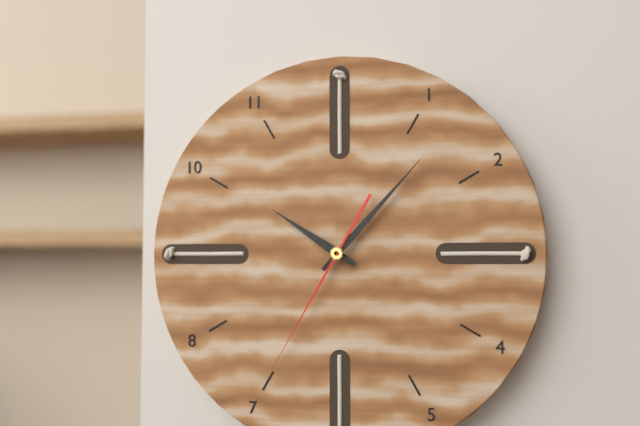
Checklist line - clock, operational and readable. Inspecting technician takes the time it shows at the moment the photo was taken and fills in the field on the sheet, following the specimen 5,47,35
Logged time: 10,07,35
